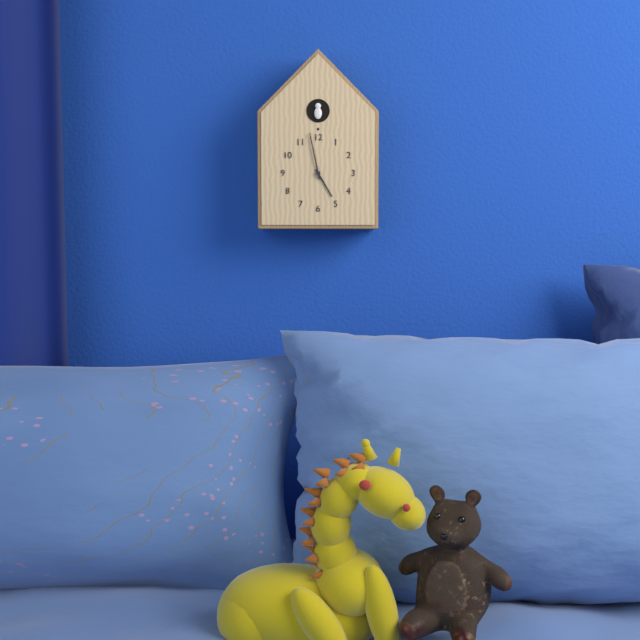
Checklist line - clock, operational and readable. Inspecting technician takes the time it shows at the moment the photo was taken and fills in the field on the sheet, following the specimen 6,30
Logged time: 4,58
